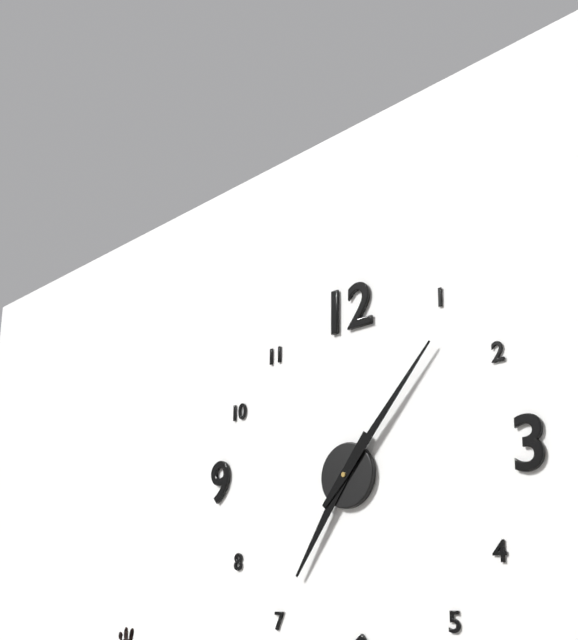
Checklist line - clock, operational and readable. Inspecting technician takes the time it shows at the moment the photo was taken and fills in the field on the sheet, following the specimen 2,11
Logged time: 7,07
